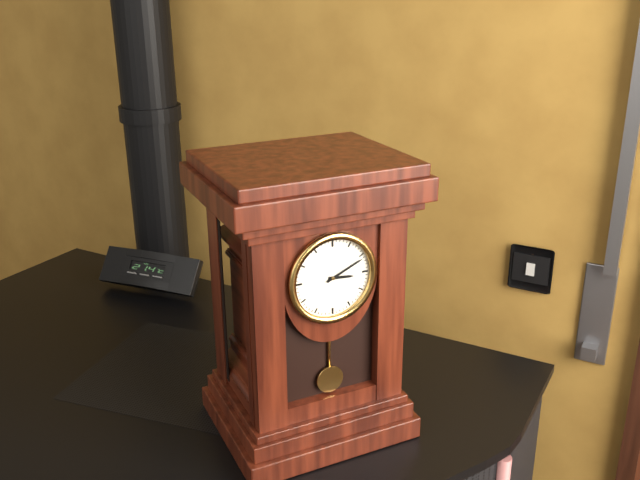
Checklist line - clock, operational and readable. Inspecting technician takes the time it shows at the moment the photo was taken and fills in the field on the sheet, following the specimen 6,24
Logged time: 3,11
